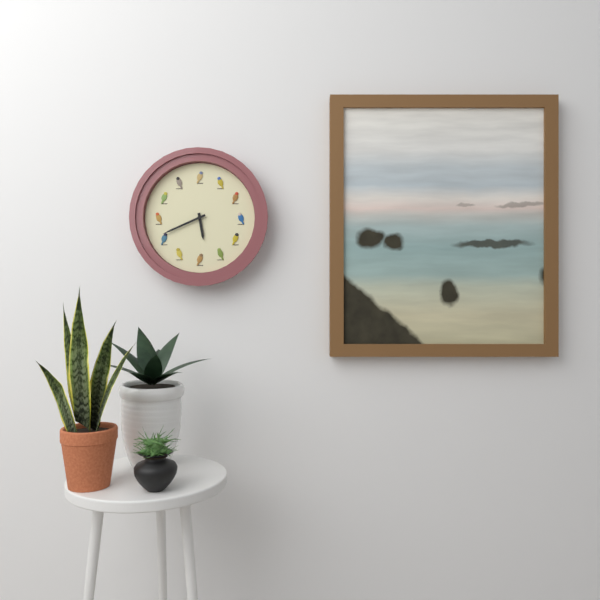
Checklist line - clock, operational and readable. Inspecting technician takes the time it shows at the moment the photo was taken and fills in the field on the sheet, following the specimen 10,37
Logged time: 5,41
